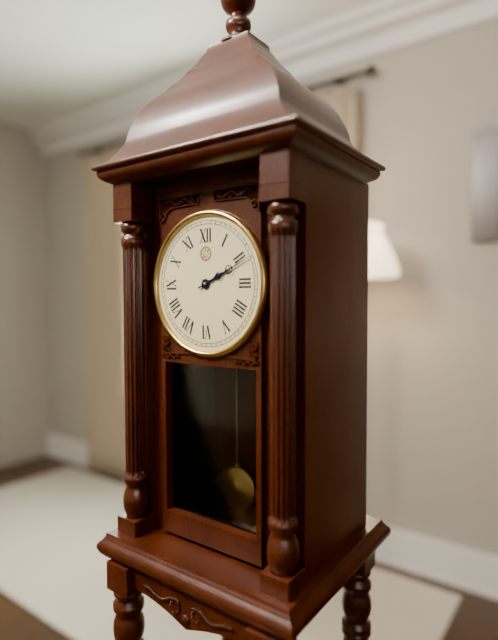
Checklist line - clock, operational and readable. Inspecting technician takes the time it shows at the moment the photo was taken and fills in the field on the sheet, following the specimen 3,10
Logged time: 2,11
